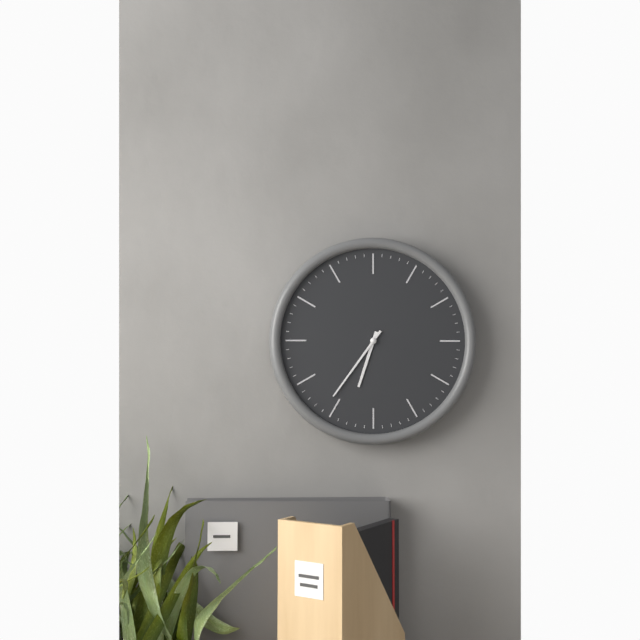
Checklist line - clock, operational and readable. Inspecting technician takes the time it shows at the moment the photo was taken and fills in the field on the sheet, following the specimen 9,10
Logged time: 6,36
